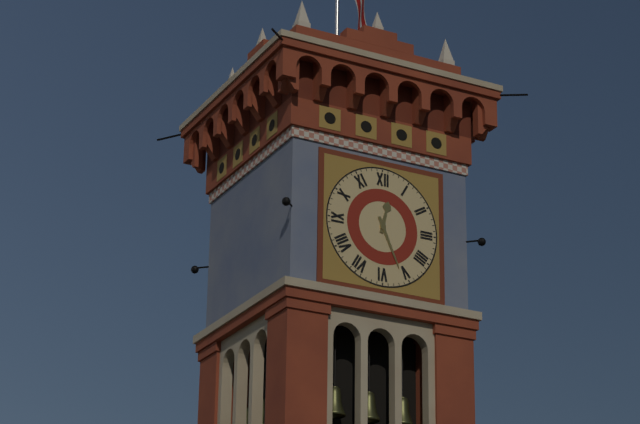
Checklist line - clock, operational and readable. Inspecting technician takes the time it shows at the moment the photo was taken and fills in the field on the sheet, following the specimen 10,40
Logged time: 12,26
